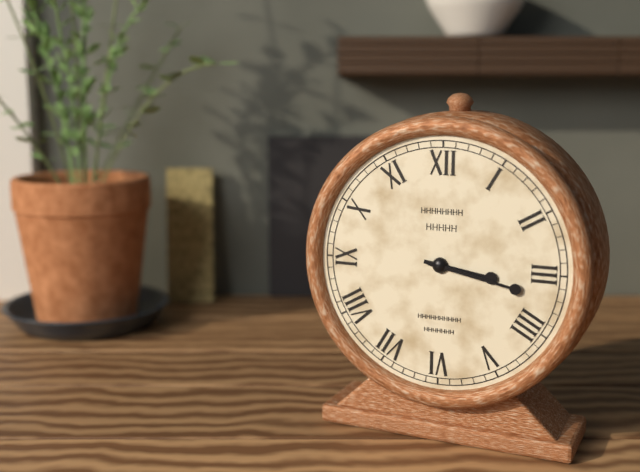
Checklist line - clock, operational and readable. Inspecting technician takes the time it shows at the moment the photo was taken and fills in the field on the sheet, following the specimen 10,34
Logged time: 3,17
